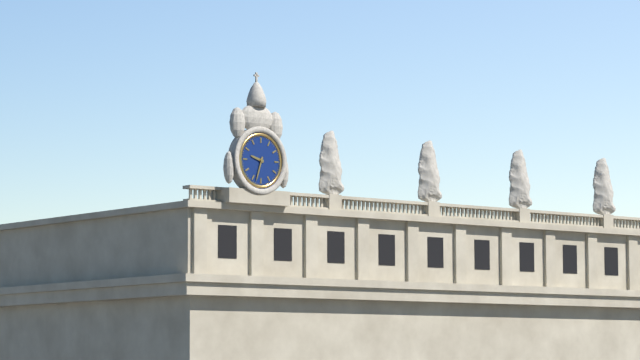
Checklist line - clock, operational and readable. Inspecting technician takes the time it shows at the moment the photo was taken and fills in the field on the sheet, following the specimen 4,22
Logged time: 9,33
